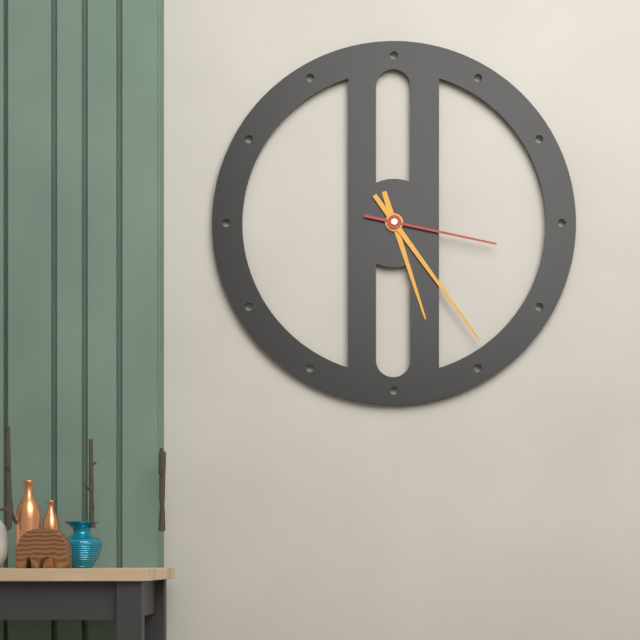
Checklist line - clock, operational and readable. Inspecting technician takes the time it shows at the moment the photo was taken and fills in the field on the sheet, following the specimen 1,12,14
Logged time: 5,24,17
